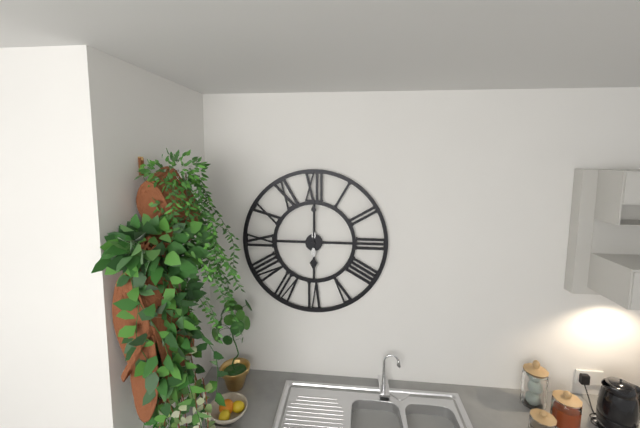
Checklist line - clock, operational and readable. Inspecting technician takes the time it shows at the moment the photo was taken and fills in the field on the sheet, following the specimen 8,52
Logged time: 6,00
